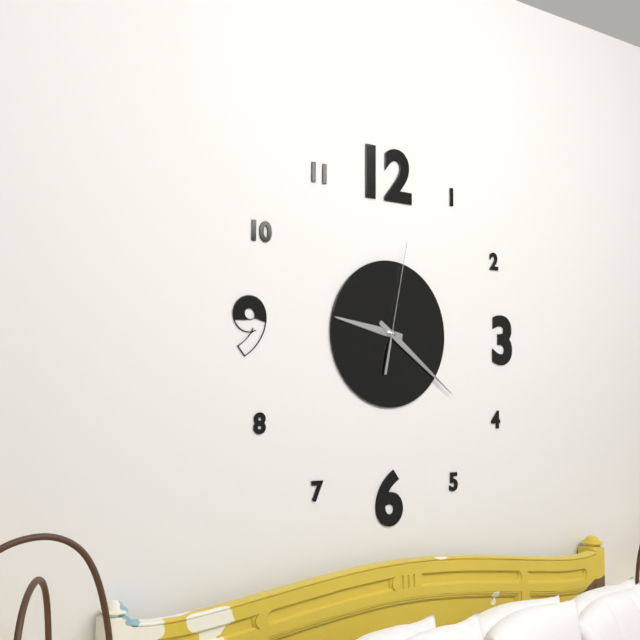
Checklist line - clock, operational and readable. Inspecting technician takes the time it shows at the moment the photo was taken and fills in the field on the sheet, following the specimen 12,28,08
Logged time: 9,21,02
